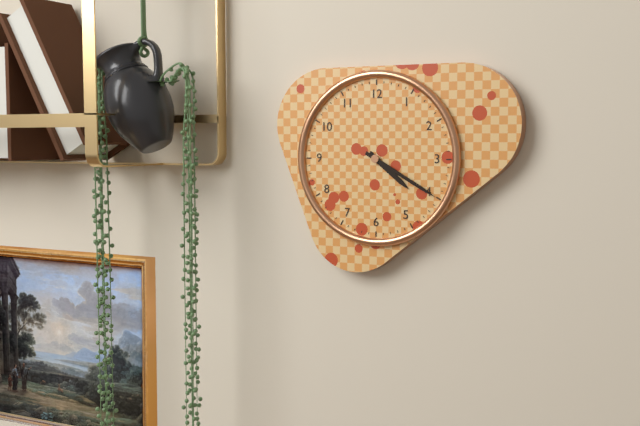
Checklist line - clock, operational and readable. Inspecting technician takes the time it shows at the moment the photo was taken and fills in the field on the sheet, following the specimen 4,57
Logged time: 4,20
